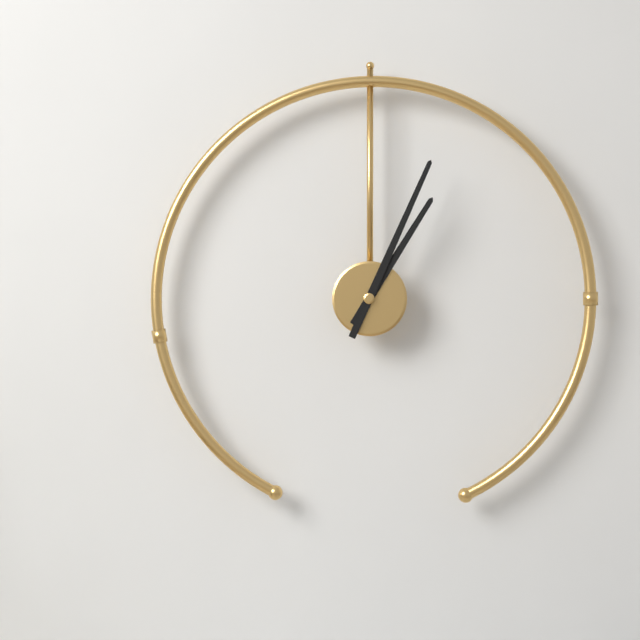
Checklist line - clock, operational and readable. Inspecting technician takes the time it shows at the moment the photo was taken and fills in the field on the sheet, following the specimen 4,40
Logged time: 1,04
